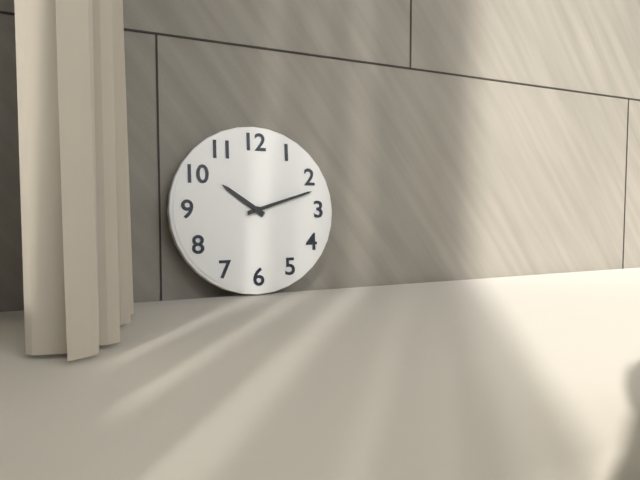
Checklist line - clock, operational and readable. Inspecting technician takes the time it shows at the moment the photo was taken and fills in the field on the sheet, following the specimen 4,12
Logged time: 10,12
